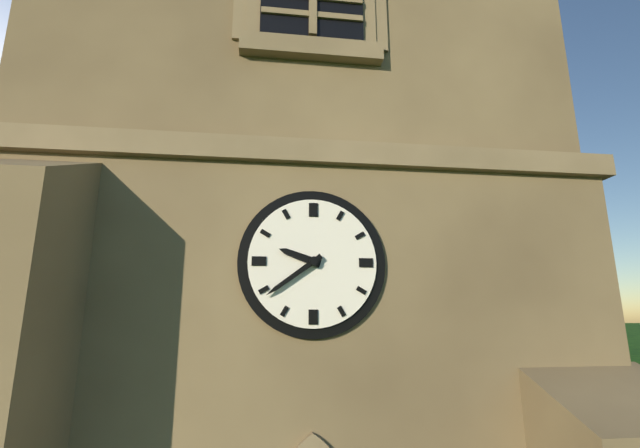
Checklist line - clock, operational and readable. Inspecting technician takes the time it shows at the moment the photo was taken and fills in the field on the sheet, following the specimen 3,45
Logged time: 9,39
